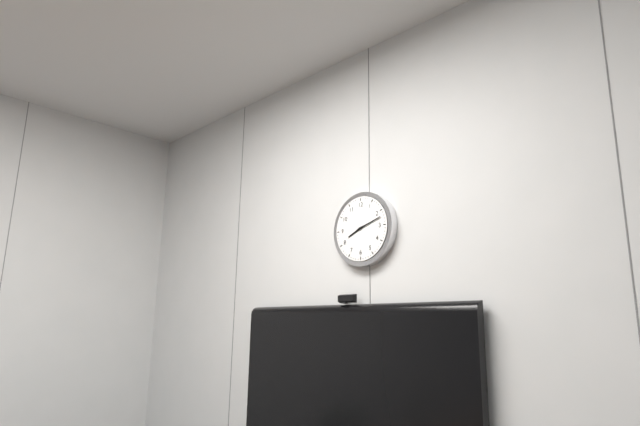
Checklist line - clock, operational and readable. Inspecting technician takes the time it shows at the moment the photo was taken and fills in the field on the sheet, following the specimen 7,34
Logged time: 8,12
